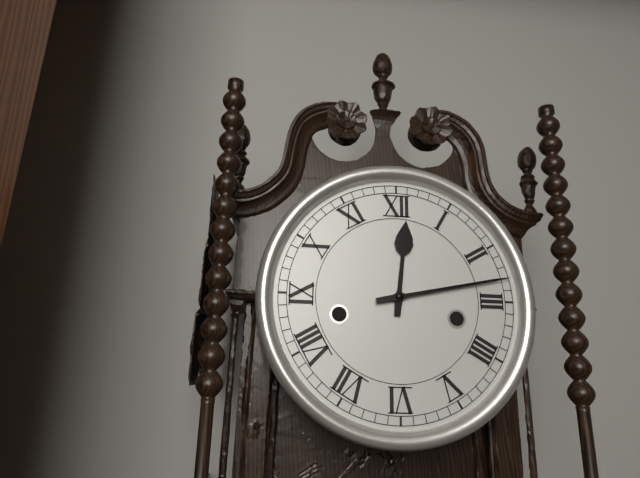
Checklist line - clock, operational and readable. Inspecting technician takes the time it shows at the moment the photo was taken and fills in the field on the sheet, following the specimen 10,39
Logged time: 12,13
